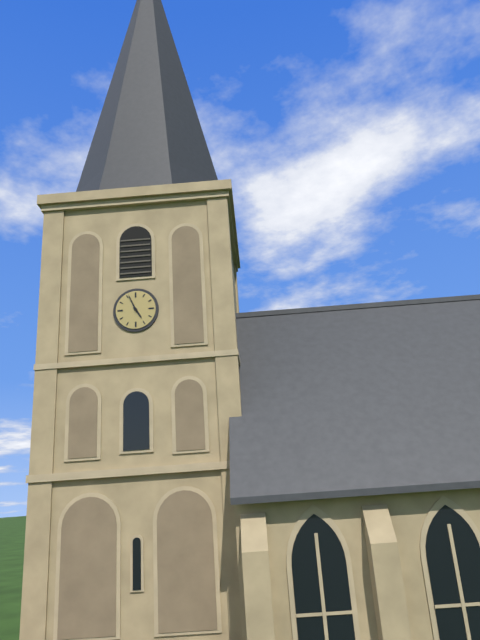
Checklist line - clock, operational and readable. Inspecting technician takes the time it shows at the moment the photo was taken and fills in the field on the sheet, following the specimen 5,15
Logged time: 4,56
